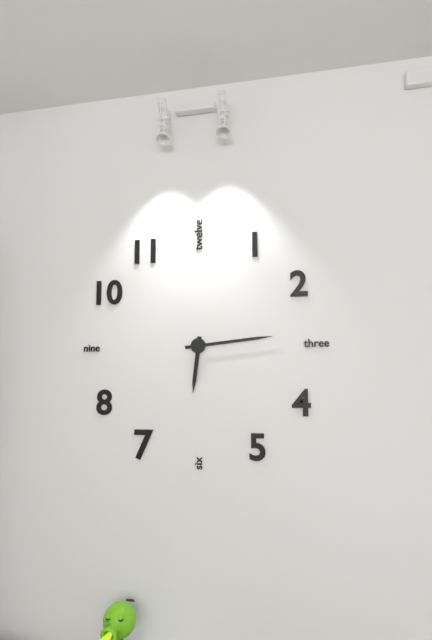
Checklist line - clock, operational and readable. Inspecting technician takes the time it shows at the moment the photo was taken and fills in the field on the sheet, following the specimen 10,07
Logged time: 6,14
